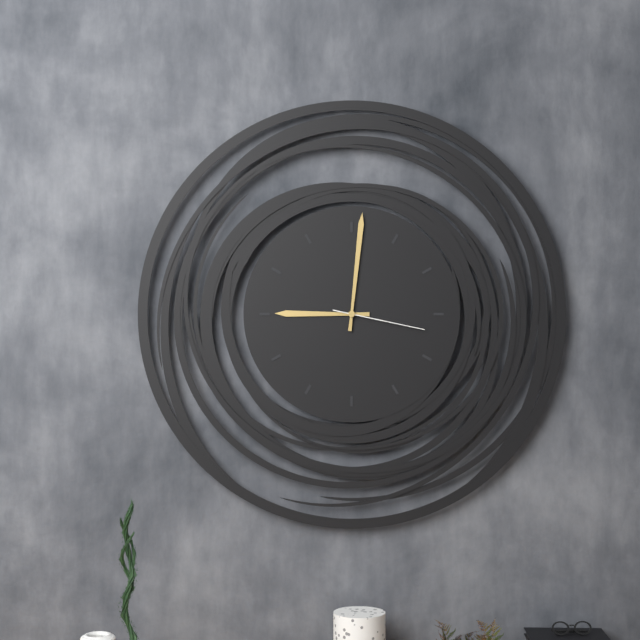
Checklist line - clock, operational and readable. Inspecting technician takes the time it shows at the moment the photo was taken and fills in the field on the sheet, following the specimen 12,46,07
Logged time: 9,01,17
